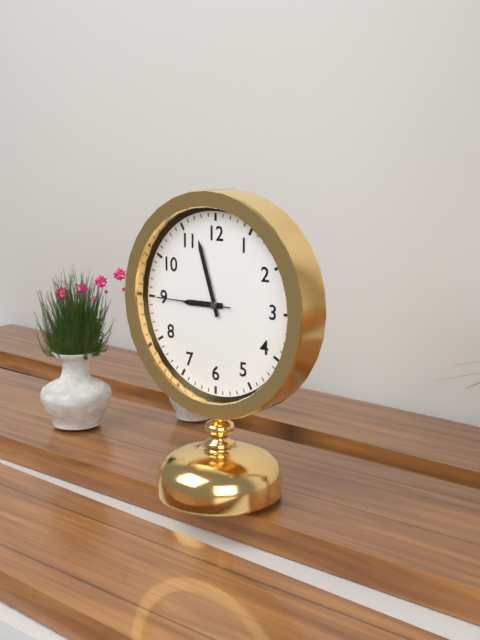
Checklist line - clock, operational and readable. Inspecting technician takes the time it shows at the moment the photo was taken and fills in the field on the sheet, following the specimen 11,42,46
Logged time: 8,57,45
